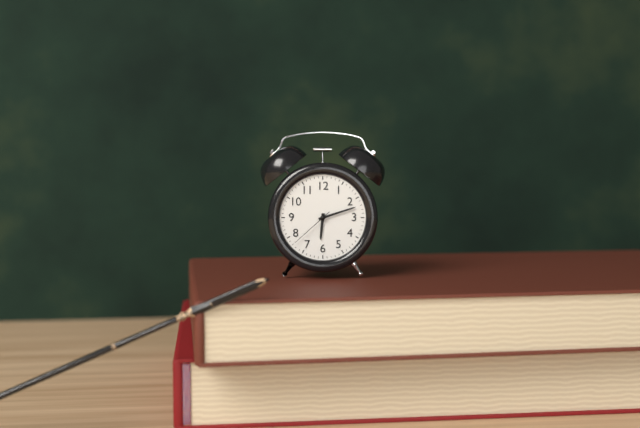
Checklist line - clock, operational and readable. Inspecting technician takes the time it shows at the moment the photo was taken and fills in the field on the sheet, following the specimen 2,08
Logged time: 6,12
